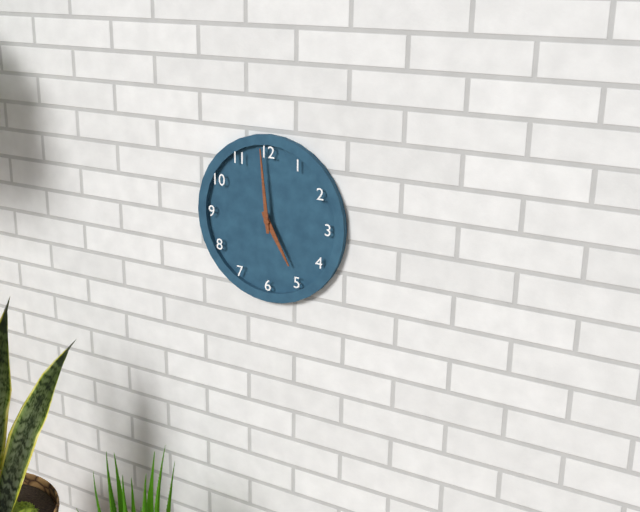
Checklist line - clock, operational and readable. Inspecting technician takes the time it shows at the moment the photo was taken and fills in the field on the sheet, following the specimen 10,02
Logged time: 4,59
